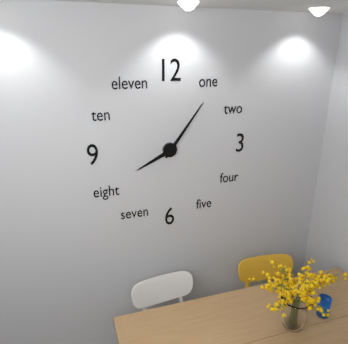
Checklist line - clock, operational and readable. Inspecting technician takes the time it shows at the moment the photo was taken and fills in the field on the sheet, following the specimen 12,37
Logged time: 8,06
